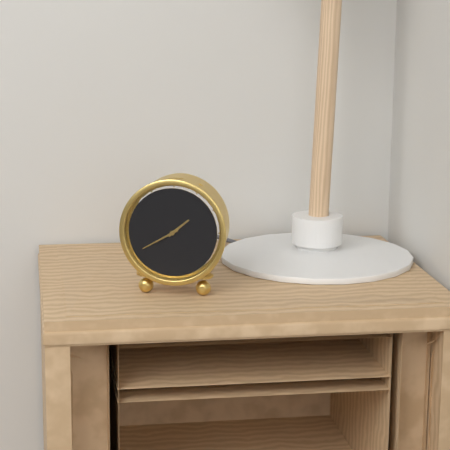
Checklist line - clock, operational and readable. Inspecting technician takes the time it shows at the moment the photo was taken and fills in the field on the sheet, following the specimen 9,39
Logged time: 1,40
